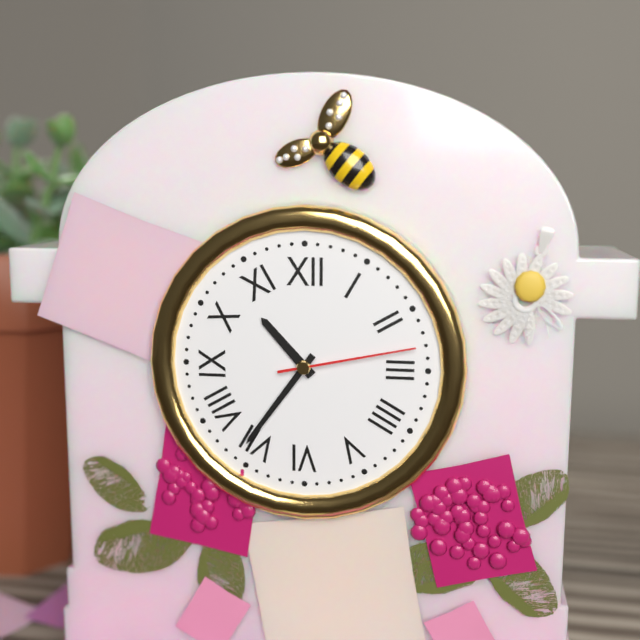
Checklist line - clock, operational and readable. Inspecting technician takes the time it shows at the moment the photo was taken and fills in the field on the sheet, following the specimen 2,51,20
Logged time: 10,36,13
